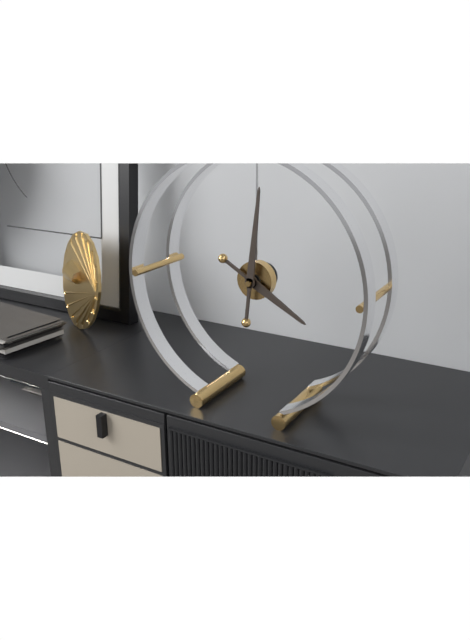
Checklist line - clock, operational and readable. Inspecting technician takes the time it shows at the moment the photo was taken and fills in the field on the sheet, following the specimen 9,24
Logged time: 4,01
